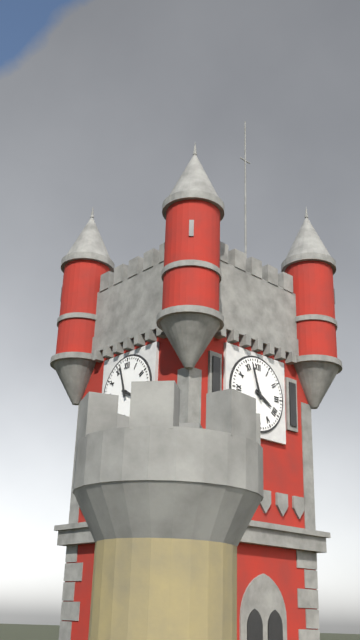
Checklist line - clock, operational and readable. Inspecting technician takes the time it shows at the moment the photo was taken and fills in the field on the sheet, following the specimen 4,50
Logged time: 3,57
